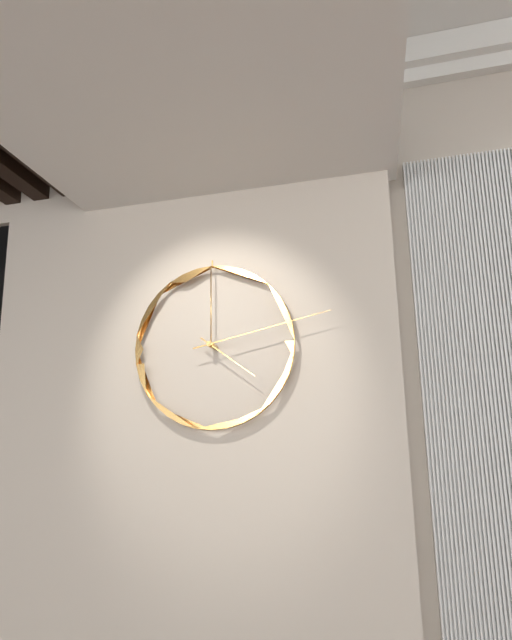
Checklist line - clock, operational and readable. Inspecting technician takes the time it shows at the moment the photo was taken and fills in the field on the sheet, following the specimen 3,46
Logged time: 4,13
